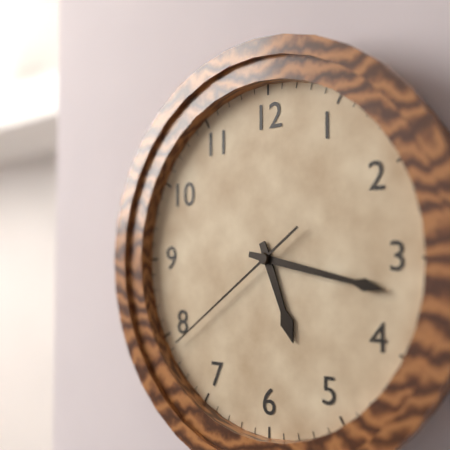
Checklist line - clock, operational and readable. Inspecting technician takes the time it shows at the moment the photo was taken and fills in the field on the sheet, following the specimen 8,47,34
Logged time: 5,17,39
